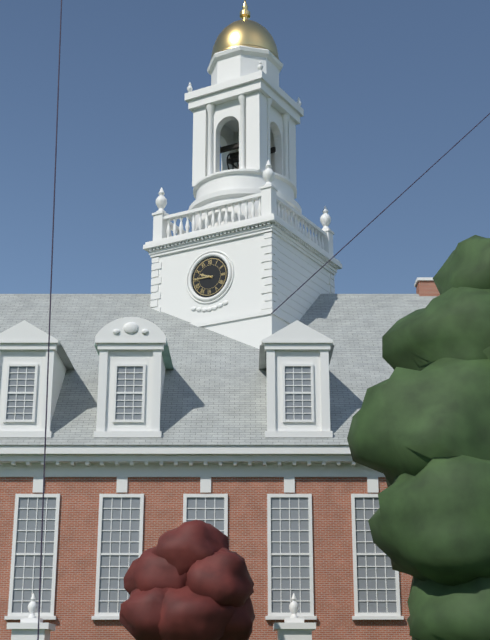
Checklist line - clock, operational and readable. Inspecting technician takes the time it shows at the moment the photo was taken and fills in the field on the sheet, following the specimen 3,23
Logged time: 9,45
